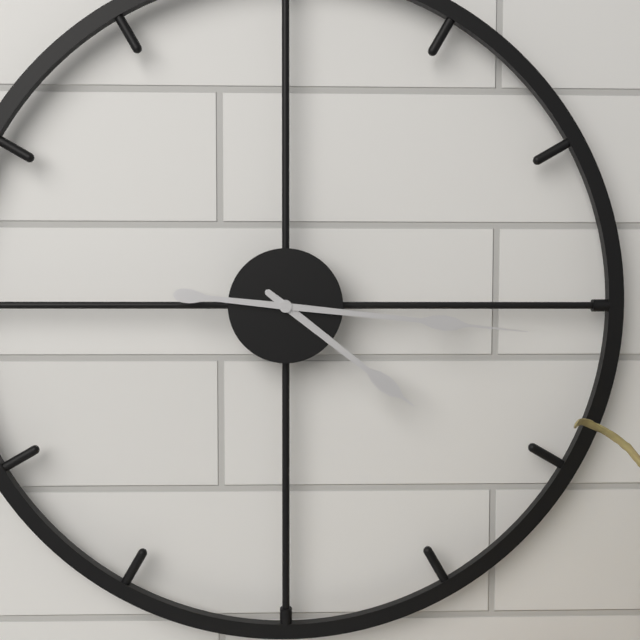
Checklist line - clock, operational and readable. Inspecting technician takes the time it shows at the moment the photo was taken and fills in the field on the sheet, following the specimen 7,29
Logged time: 4,16
